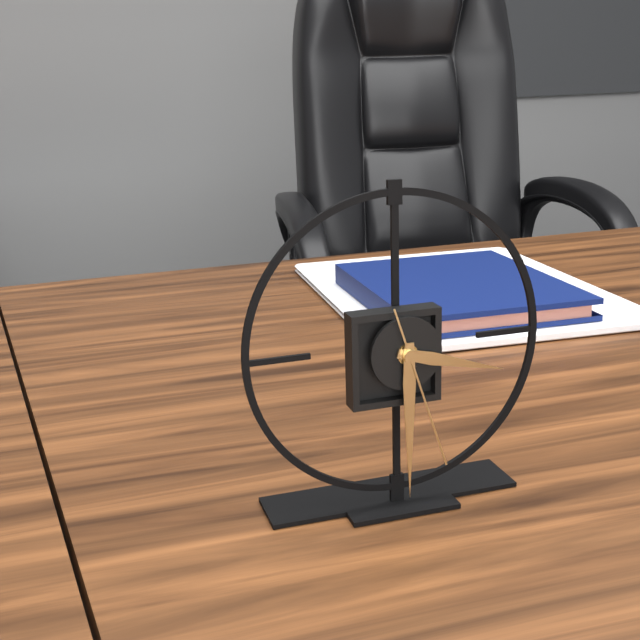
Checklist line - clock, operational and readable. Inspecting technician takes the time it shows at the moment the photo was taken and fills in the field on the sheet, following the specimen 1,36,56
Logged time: 3,30,27
